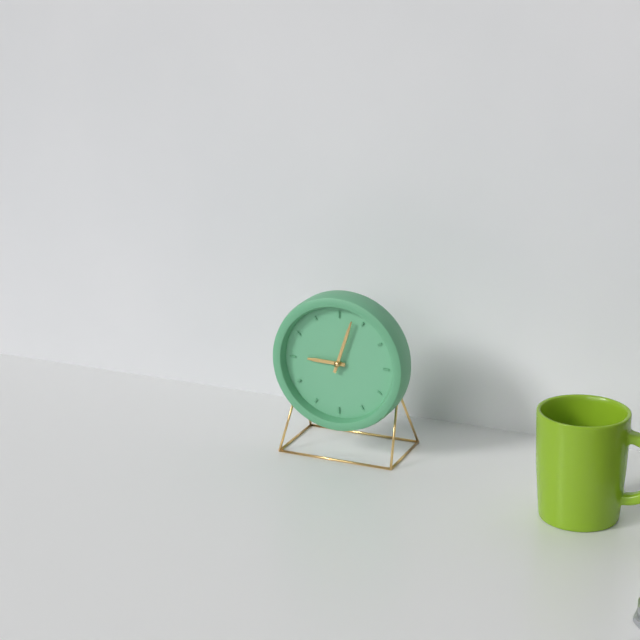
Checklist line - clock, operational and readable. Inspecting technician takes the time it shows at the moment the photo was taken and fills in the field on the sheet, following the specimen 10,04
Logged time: 9,03
